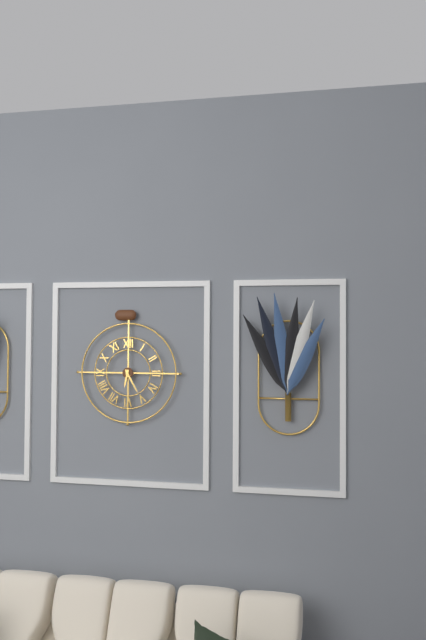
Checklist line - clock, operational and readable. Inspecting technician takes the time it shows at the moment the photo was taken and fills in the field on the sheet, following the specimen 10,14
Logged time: 6,25
